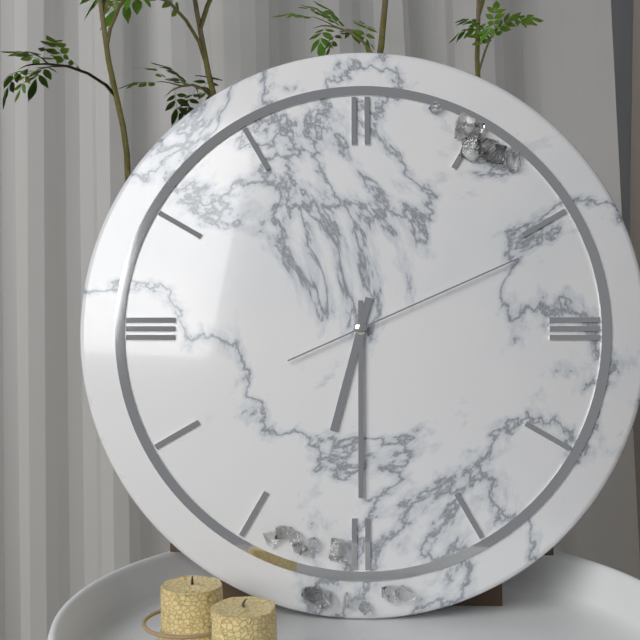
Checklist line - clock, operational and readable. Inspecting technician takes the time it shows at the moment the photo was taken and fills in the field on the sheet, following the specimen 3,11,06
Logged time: 6,30,11
